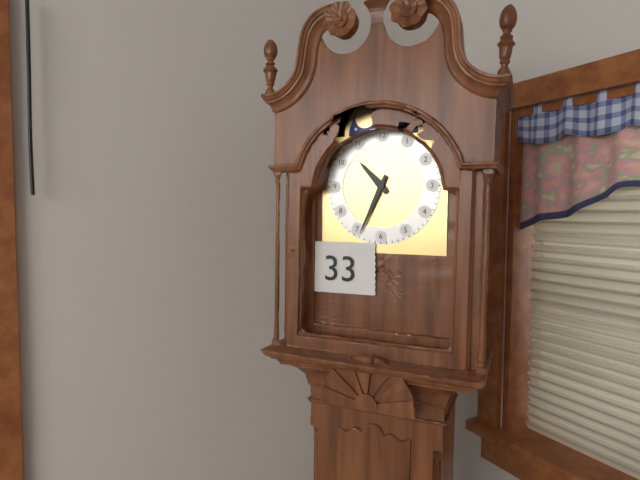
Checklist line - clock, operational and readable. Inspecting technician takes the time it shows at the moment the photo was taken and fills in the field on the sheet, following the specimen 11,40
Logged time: 10,34
